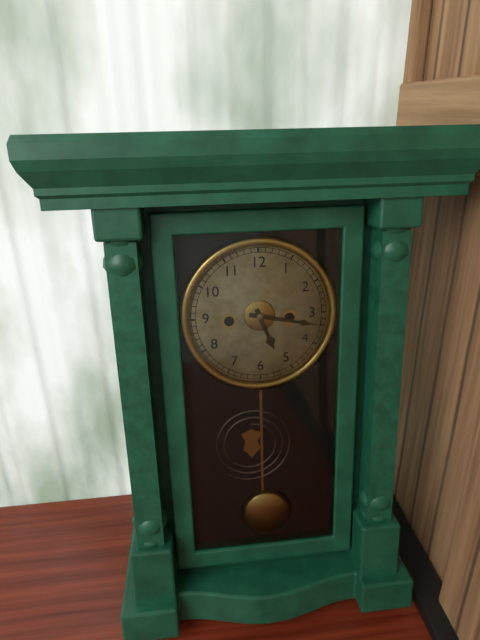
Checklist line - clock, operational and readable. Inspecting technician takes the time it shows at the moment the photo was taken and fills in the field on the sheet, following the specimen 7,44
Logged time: 5,17
